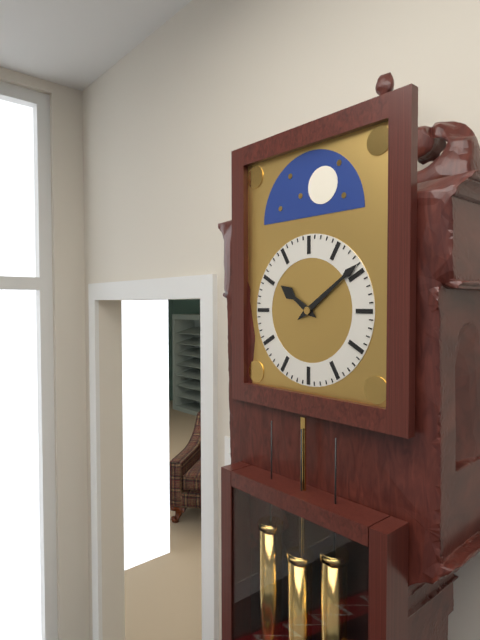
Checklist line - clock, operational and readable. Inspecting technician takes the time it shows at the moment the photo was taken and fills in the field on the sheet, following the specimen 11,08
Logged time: 10,09
